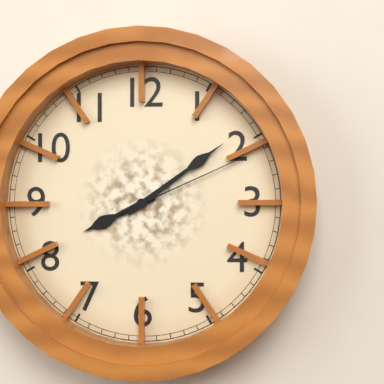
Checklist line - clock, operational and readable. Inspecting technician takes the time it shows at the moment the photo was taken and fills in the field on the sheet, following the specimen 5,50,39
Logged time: 8,09,11
